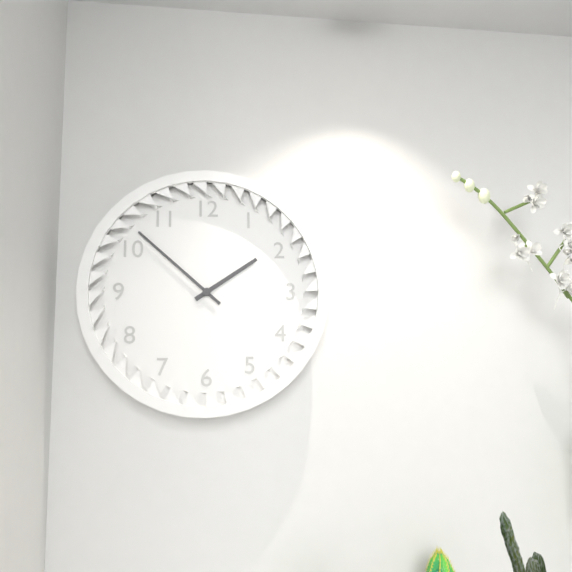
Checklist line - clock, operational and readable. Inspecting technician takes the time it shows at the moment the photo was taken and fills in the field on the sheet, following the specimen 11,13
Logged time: 1,52
